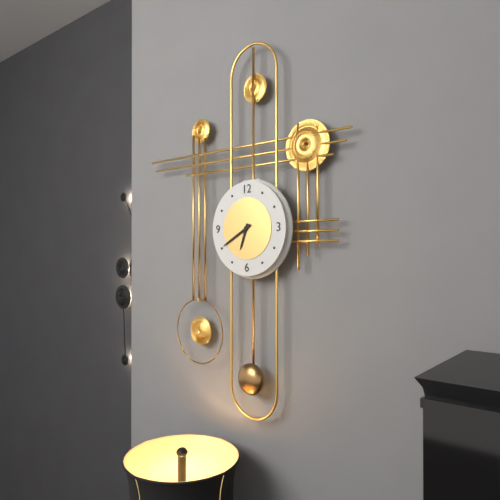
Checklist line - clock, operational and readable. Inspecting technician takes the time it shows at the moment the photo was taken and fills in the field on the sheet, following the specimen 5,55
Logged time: 6,40
